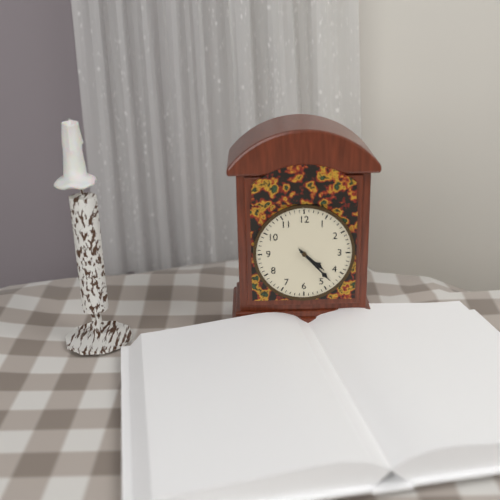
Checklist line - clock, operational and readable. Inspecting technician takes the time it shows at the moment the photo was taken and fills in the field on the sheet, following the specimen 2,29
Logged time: 4,23
